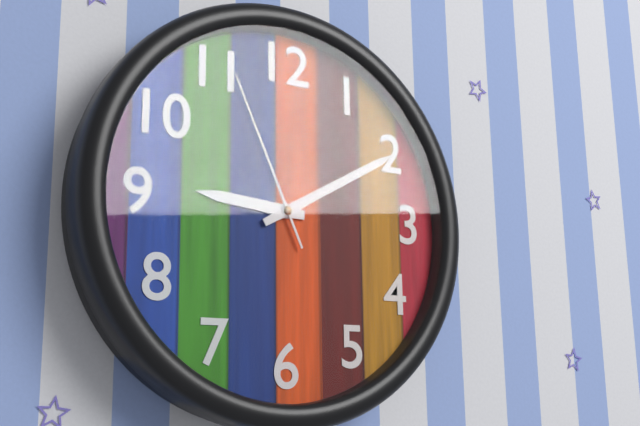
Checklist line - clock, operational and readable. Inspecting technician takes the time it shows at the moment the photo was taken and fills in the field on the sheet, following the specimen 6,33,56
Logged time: 9,10,56
